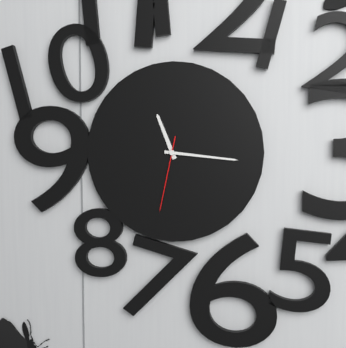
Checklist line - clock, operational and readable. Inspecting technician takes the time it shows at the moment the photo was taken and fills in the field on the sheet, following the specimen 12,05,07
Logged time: 11,16,32
